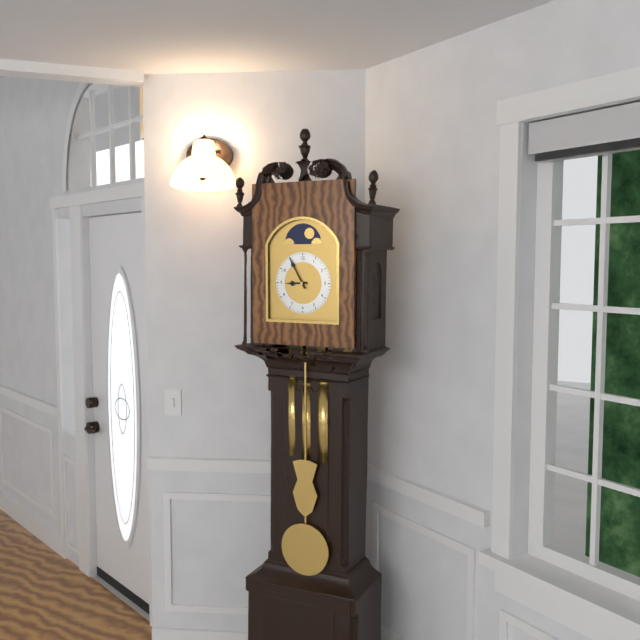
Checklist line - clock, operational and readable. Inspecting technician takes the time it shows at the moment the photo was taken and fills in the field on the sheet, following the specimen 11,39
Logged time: 8,55
